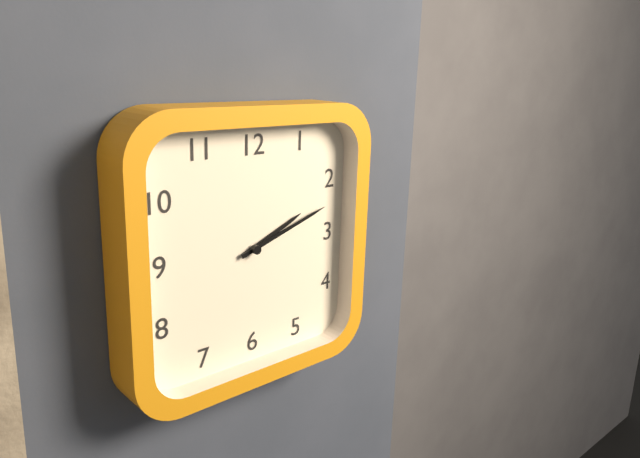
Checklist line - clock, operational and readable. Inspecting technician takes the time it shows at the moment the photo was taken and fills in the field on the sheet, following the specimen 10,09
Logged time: 2,12
